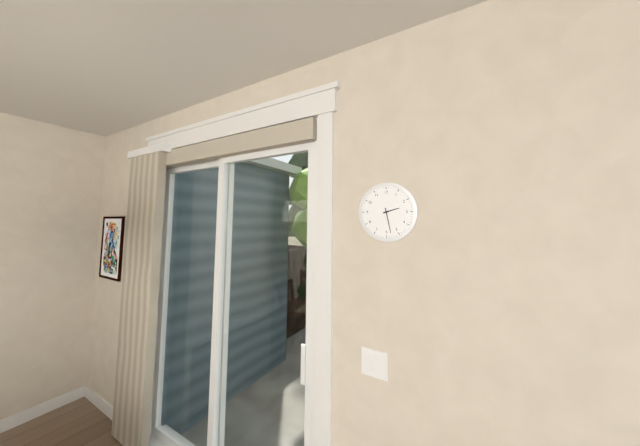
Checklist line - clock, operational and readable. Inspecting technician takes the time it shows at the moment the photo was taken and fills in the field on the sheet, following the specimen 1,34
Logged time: 2,28
